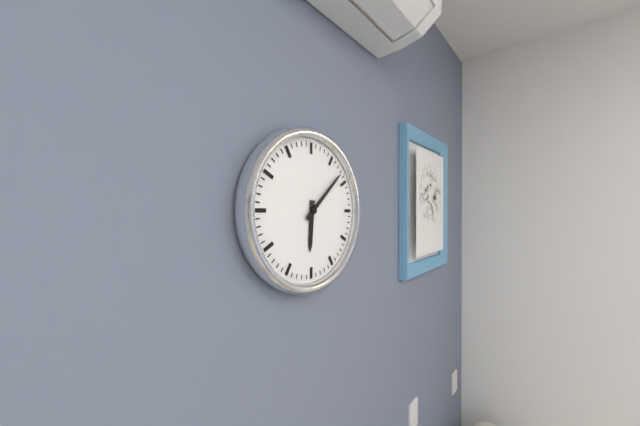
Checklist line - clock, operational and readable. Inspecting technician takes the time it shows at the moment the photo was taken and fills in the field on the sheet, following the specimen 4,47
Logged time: 6,08
